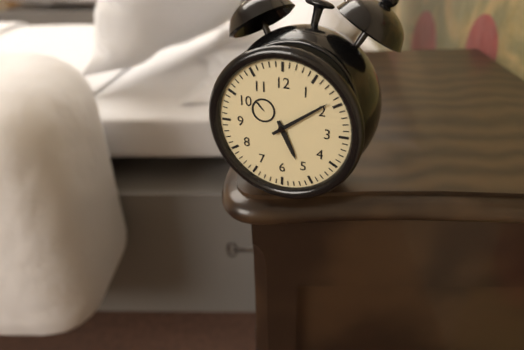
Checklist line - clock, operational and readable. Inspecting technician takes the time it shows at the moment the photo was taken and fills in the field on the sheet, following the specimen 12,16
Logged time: 5,09
